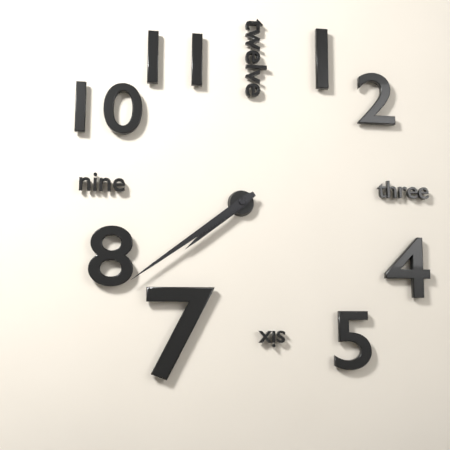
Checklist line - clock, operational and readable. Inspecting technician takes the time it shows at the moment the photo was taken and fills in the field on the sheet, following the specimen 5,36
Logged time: 7,39
